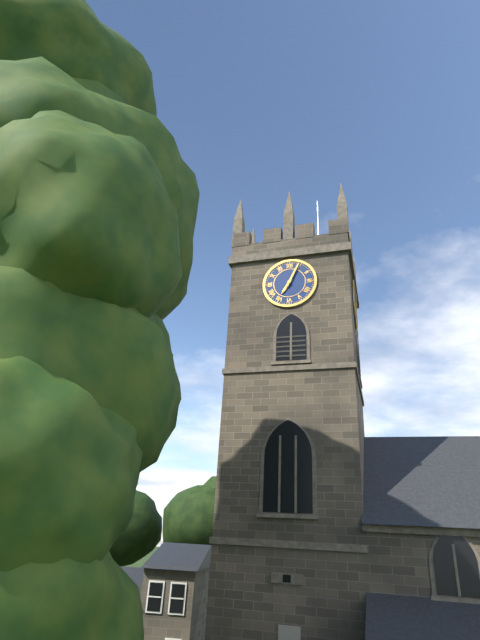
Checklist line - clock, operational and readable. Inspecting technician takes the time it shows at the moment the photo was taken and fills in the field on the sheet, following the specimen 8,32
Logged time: 7,04
